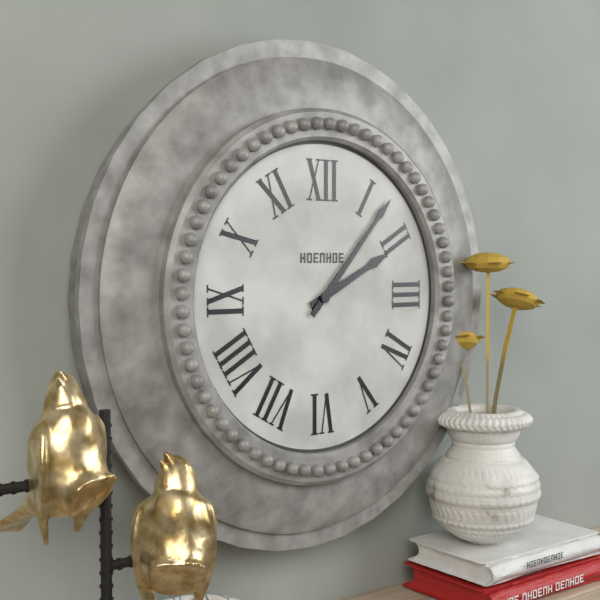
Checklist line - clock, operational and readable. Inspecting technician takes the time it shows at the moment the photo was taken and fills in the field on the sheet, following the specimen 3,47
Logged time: 2,07
